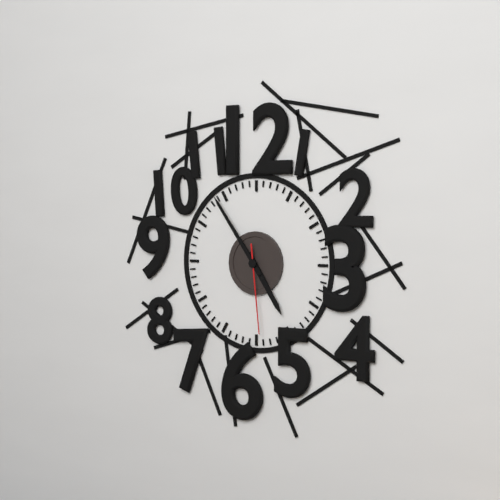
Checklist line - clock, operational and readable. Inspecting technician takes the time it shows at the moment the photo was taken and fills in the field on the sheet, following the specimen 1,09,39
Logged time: 4,54,29
